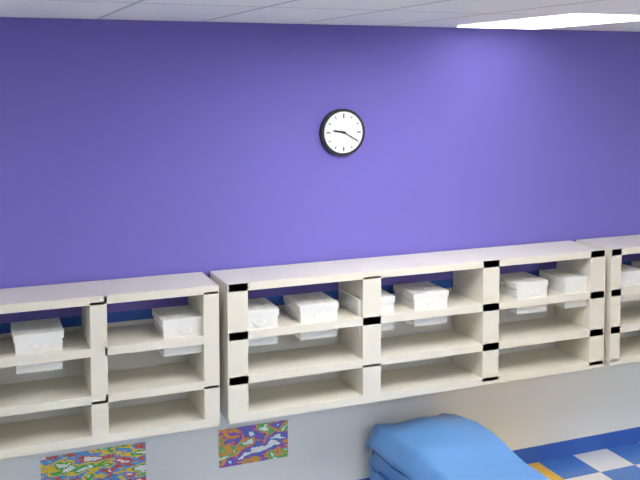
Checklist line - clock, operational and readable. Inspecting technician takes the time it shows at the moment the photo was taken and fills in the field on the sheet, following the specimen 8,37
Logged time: 9,20
